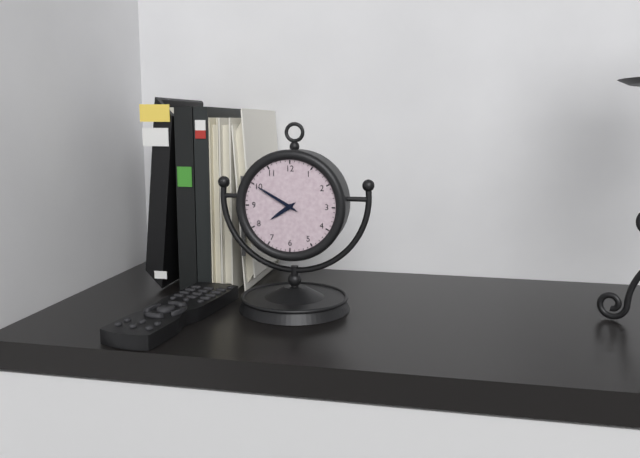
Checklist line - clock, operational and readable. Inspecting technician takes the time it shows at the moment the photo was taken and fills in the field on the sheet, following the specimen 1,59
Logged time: 7,50
